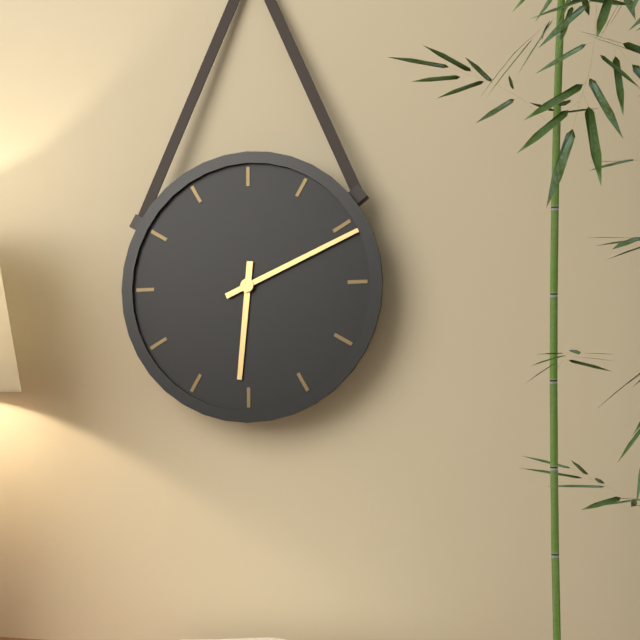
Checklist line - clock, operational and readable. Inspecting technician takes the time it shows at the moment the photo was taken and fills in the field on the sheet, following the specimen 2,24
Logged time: 6,11
